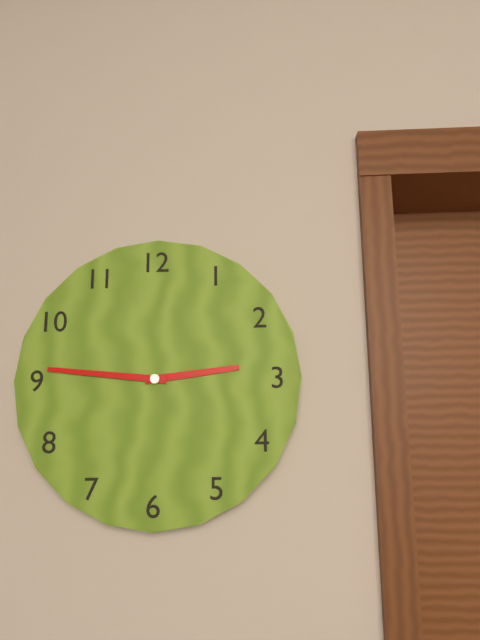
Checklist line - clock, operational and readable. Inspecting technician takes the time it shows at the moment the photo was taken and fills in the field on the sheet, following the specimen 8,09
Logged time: 2,46
